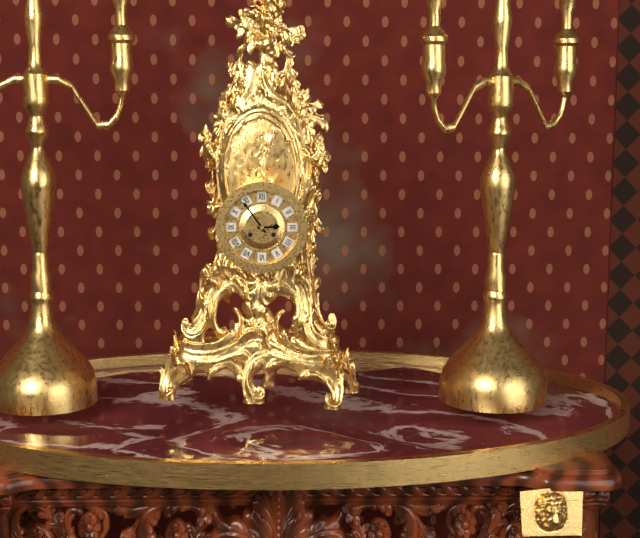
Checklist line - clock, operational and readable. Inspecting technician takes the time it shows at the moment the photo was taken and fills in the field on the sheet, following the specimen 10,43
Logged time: 2,54
